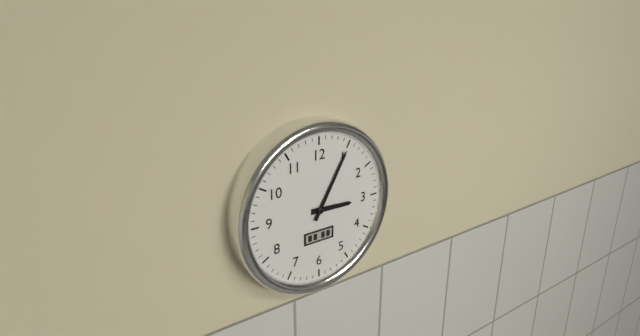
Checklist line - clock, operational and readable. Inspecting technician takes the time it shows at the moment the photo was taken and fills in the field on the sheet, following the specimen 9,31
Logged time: 3,05
